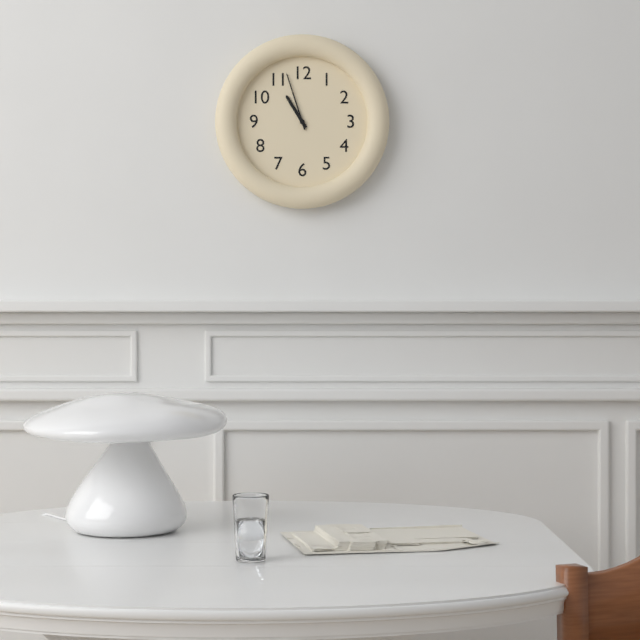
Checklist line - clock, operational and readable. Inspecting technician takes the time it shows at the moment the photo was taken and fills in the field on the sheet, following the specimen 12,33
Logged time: 10,57
